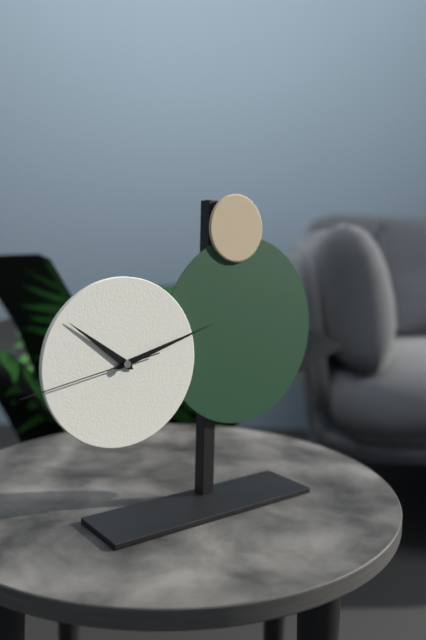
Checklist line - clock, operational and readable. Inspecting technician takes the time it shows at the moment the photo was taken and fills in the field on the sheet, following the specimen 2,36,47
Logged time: 10,12,43
